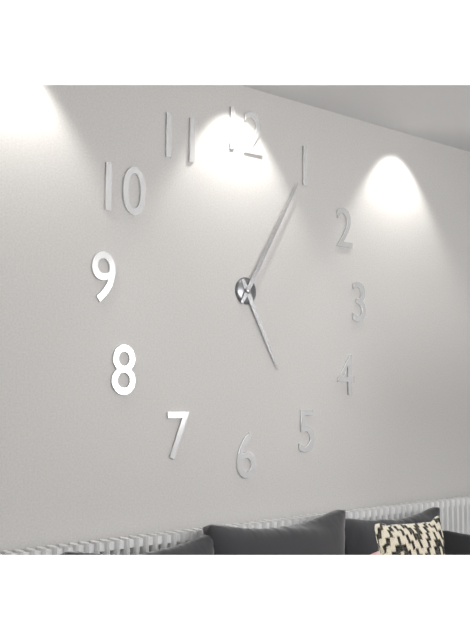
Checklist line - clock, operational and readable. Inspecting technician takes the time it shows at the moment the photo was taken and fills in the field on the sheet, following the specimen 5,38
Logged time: 5,05
